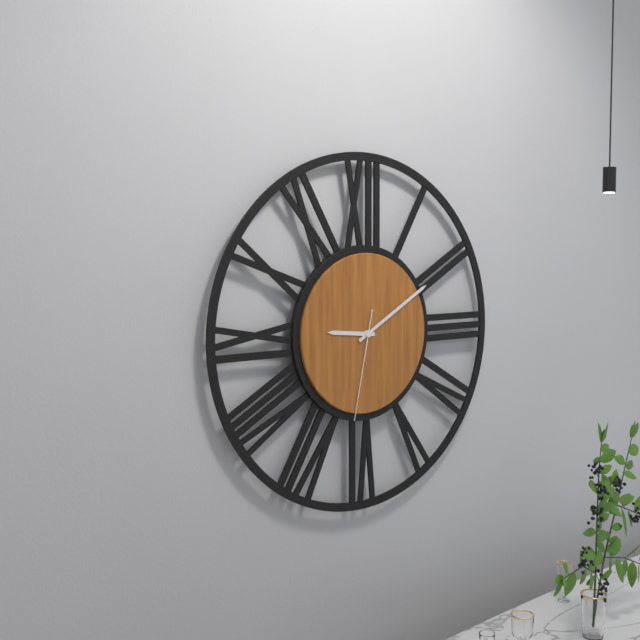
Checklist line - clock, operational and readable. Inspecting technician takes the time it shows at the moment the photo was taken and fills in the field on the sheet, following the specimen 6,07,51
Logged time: 9,10,32
